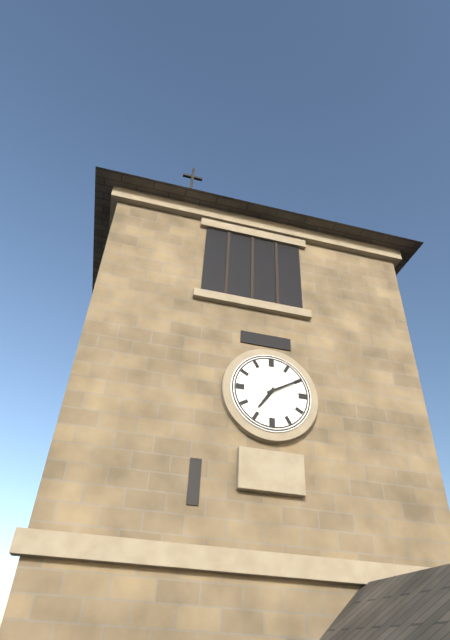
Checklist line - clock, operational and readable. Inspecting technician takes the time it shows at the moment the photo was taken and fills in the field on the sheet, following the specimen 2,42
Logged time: 7,10
